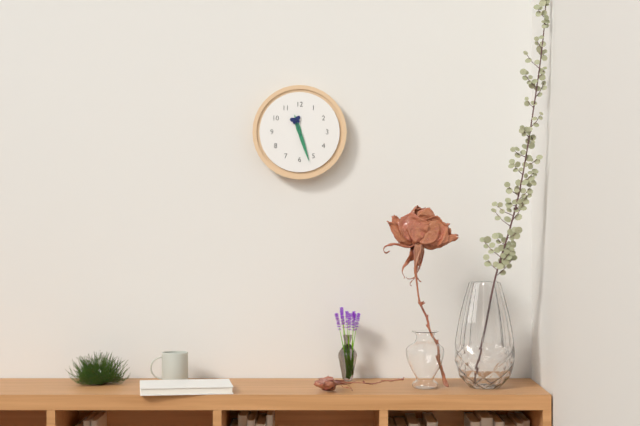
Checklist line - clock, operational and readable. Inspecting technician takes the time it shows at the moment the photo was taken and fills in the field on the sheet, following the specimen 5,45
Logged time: 11,27
